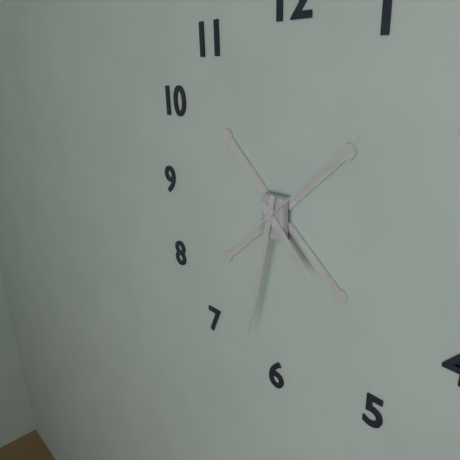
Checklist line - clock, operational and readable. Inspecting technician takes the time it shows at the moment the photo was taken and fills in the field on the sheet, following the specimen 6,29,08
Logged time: 4,32,08
